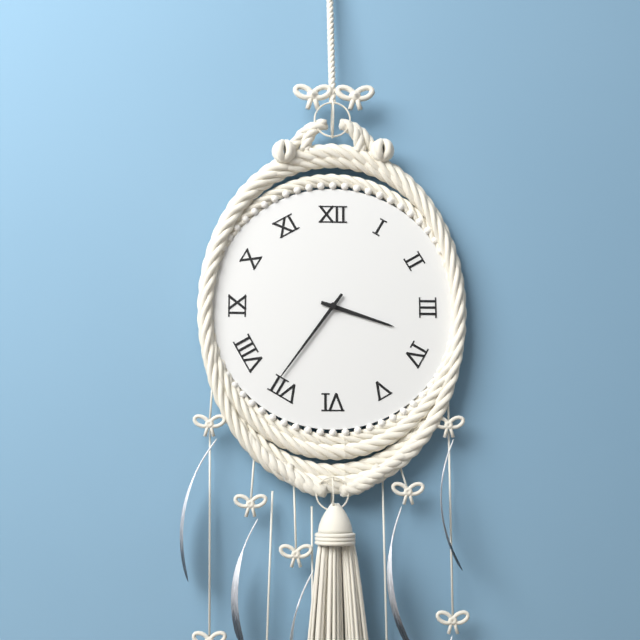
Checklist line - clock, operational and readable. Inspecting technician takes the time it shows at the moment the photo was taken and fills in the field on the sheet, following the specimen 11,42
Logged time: 3,36
